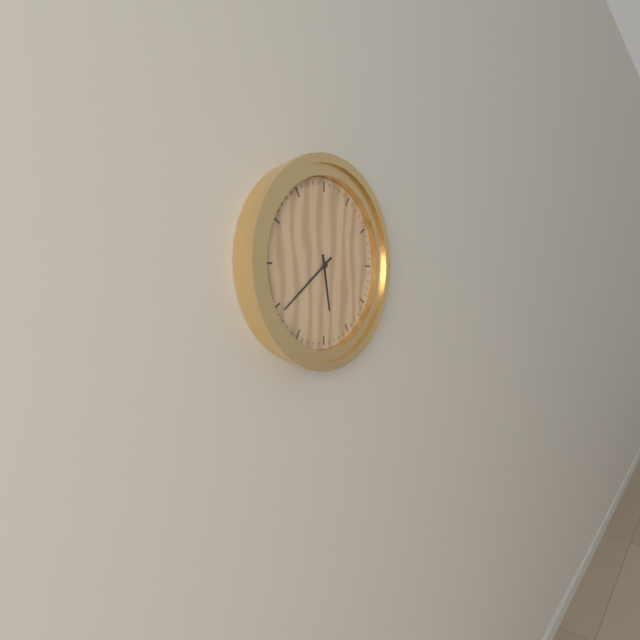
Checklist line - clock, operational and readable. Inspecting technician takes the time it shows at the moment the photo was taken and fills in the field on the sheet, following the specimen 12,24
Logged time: 5,39
